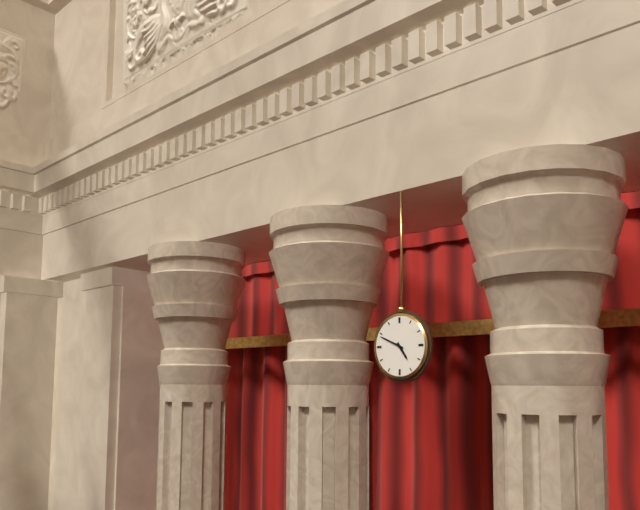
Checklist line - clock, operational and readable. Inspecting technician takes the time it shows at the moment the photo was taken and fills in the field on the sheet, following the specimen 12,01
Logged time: 4,49
